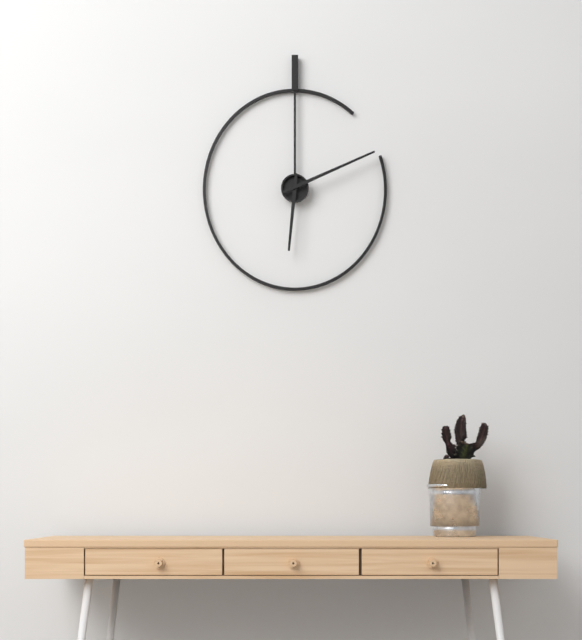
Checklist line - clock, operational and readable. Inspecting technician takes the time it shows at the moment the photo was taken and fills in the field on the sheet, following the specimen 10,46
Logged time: 6,11
